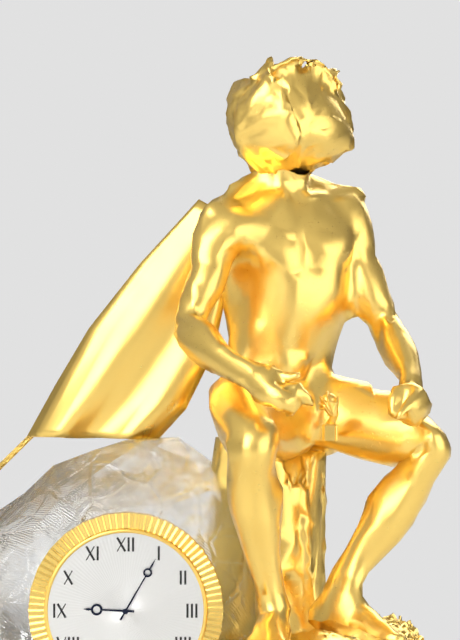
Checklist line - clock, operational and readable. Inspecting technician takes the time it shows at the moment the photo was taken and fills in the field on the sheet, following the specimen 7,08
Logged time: 9,05
